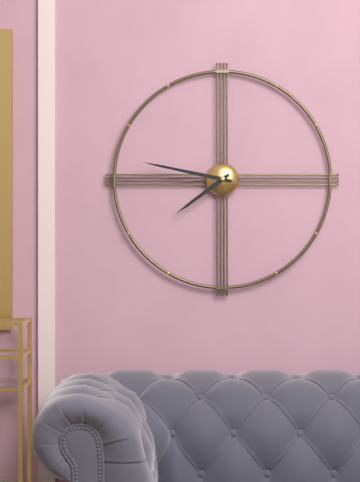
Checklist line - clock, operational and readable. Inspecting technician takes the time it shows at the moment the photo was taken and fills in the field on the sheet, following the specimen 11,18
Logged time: 7,47
